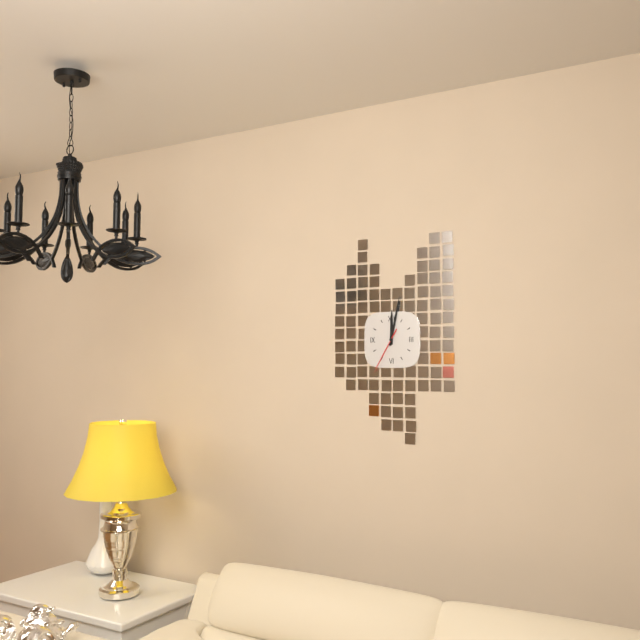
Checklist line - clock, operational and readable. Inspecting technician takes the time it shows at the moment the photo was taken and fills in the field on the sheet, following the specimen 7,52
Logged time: 12,02
